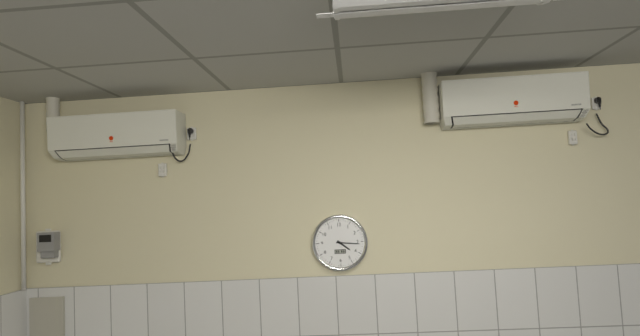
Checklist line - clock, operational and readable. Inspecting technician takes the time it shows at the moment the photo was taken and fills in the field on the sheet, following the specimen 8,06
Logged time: 4,16
